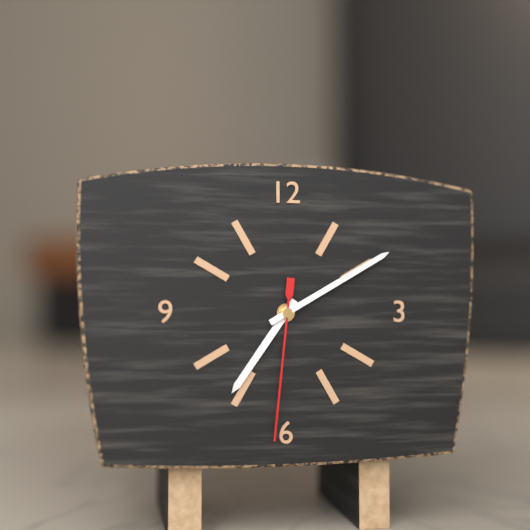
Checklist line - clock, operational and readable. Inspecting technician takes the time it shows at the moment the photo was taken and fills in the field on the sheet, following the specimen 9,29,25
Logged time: 7,10,31
